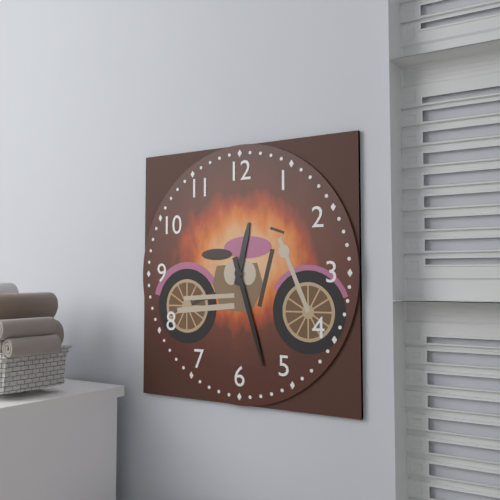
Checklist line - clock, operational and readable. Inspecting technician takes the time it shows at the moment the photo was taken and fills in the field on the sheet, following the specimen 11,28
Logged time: 12,27
